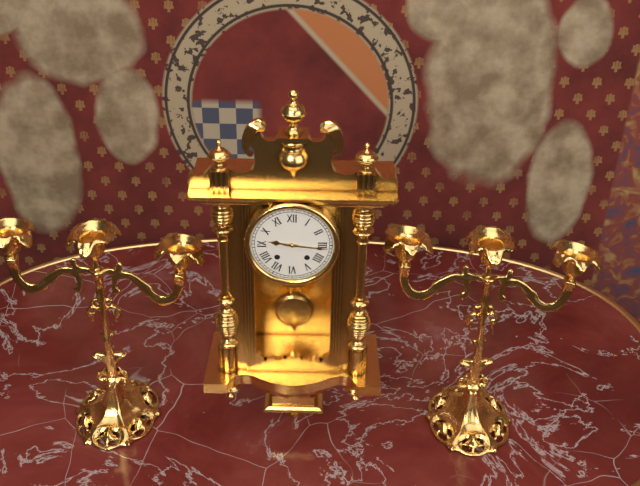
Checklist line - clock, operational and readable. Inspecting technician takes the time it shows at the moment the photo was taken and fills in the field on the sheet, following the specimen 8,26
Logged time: 9,16
